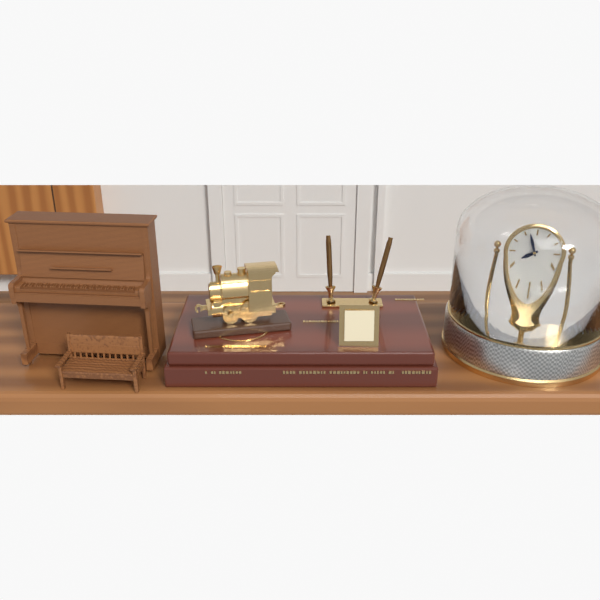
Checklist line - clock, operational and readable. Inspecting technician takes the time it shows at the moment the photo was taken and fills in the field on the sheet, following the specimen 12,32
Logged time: 7,57
